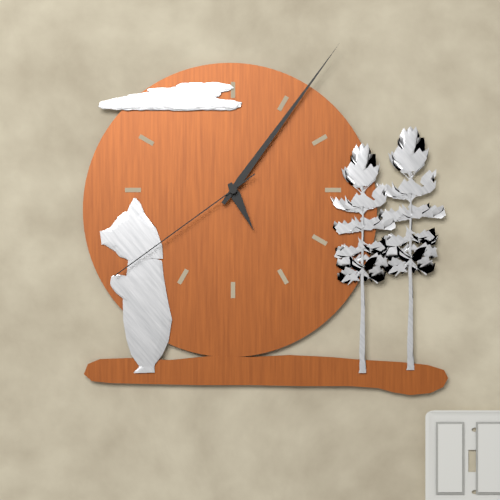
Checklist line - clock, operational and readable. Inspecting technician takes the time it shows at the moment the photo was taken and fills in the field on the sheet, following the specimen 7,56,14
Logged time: 5,06,39
